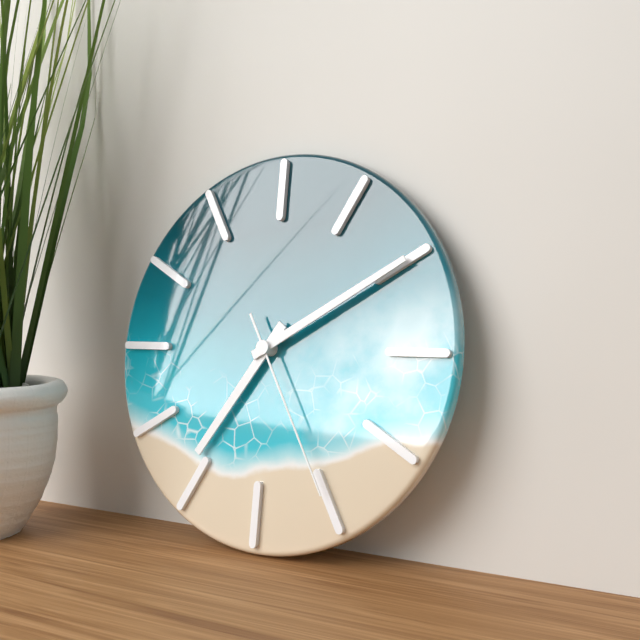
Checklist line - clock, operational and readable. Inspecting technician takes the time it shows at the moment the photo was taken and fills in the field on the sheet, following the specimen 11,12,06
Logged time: 7,10,25
